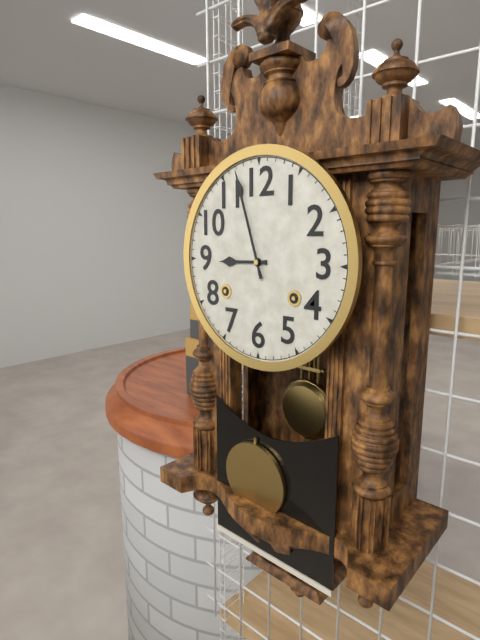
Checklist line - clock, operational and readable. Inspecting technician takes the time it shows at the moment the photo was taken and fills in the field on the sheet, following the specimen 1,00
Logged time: 8,57
